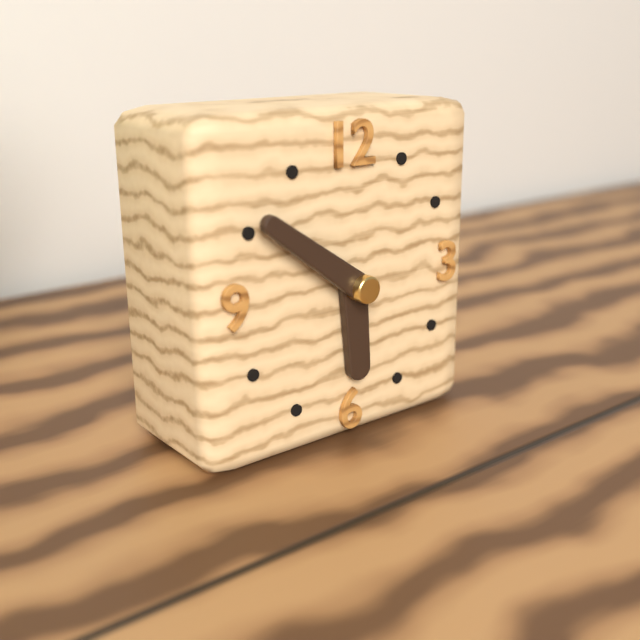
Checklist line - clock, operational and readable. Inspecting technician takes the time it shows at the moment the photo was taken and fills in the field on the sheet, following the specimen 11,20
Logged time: 5,51
